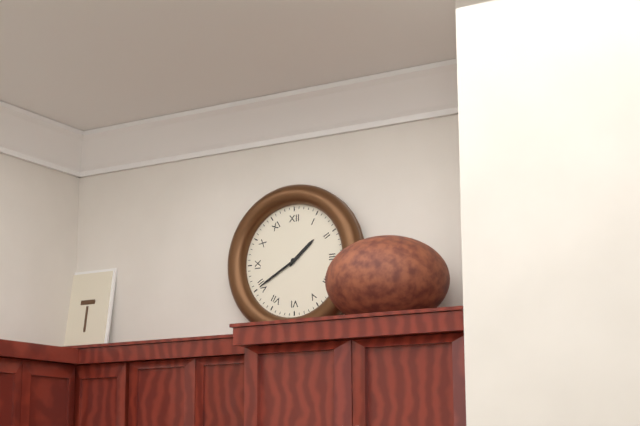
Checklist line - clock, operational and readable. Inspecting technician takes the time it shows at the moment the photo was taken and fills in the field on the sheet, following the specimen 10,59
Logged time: 1,40
